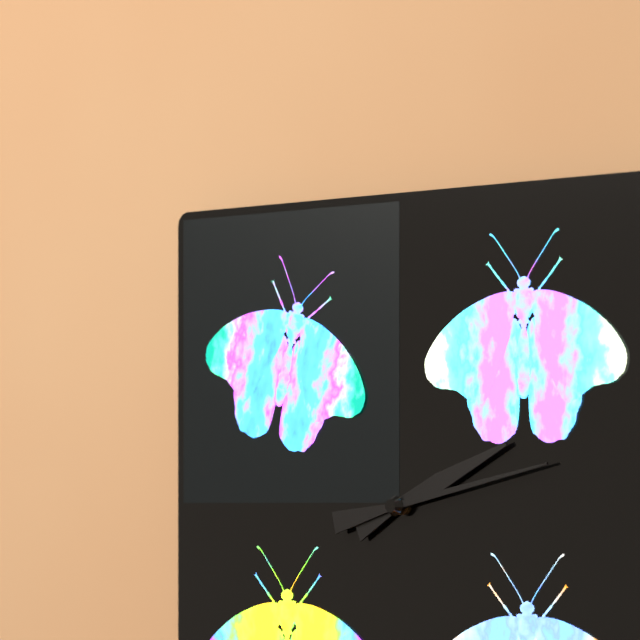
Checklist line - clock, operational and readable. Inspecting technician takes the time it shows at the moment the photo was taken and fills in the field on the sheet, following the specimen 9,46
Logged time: 2,13
